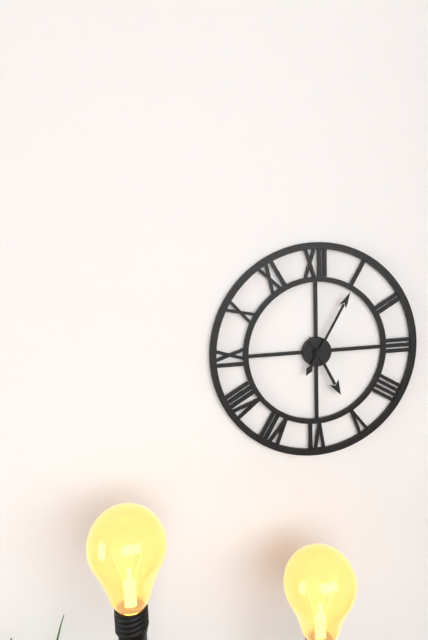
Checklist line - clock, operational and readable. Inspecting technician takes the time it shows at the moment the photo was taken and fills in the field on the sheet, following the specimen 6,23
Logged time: 5,05
